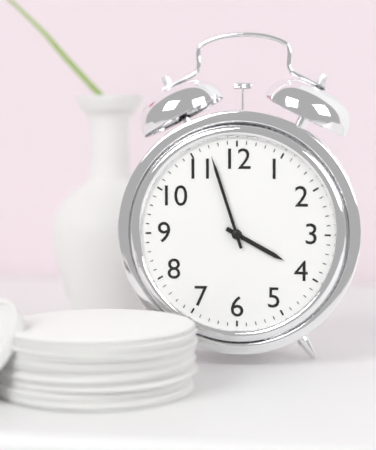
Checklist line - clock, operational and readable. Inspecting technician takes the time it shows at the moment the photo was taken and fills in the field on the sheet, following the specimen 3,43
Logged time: 3,57
